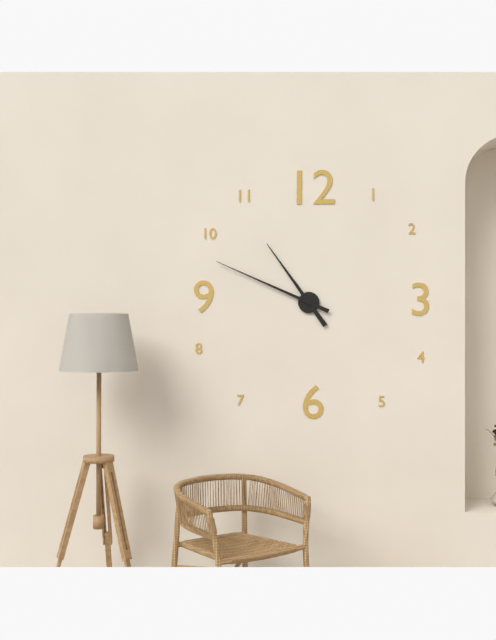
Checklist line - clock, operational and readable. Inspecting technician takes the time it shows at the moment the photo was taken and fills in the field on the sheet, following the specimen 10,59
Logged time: 10,49
